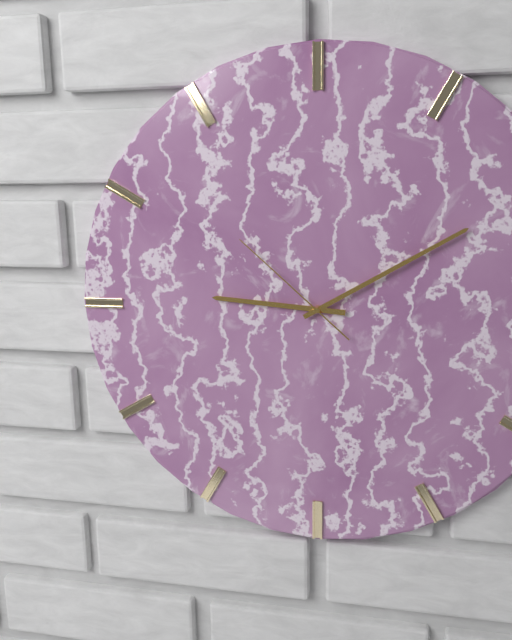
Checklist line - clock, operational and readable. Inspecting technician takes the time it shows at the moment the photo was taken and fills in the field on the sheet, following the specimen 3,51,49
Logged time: 9,10,52
